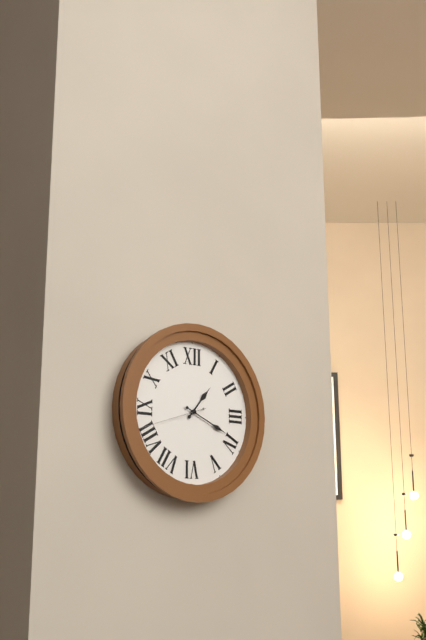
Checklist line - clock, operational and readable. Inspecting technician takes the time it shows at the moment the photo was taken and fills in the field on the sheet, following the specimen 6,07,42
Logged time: 1,19,42
